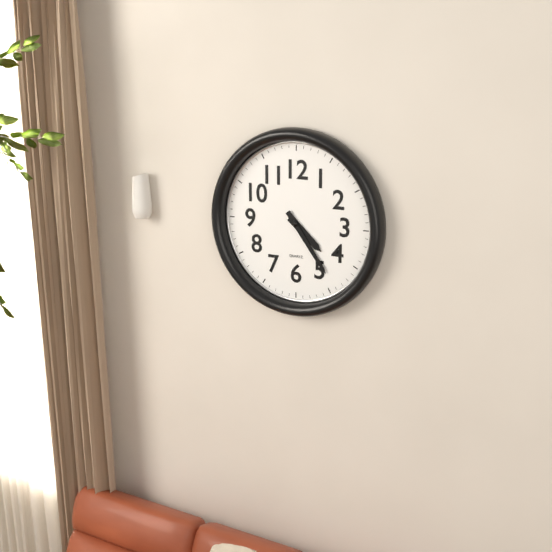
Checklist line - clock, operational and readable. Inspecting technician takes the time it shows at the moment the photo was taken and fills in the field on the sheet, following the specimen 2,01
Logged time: 4,24
